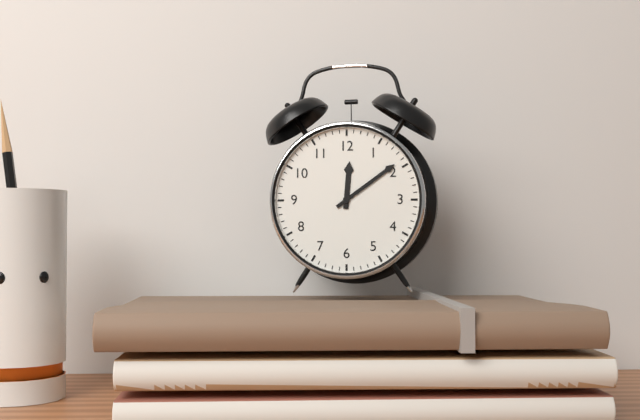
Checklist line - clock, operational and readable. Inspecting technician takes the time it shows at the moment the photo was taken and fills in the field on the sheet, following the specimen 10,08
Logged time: 12,09
